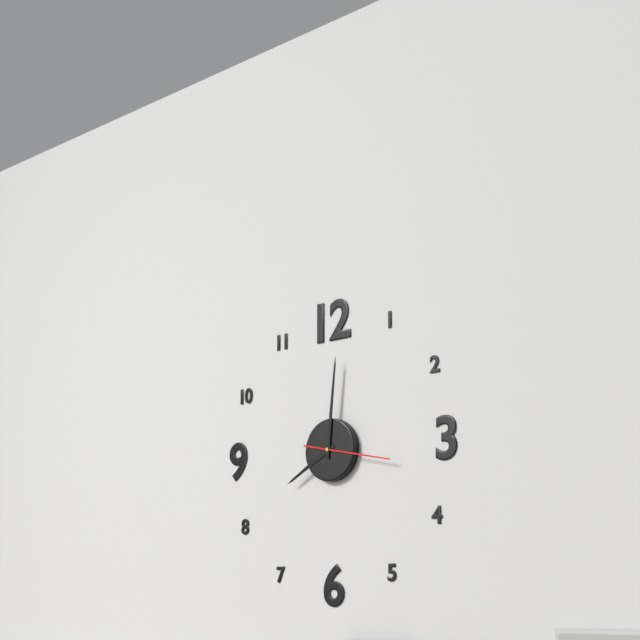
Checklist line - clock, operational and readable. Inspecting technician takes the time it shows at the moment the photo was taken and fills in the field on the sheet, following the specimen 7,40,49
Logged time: 8,01,17
